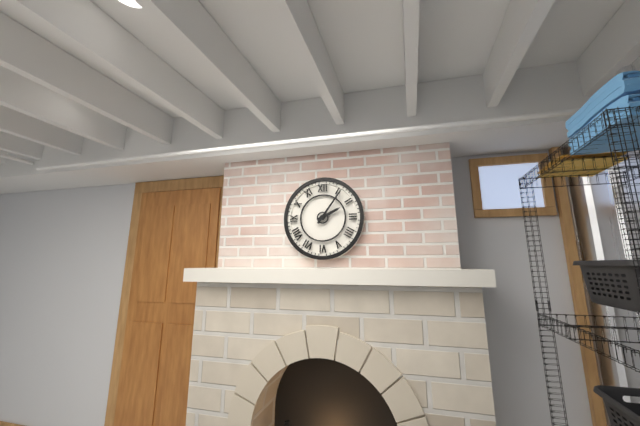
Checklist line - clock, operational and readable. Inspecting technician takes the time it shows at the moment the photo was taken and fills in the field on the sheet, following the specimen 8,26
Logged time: 2,06
